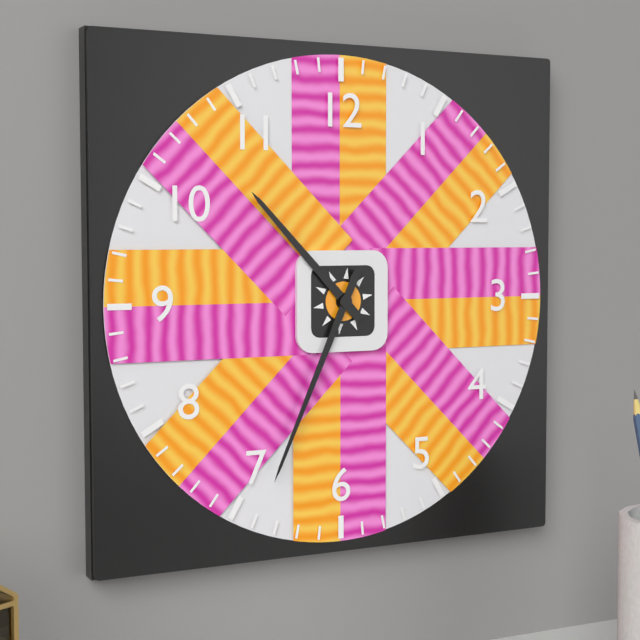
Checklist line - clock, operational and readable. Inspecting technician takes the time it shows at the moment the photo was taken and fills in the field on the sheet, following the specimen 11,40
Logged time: 10,34
